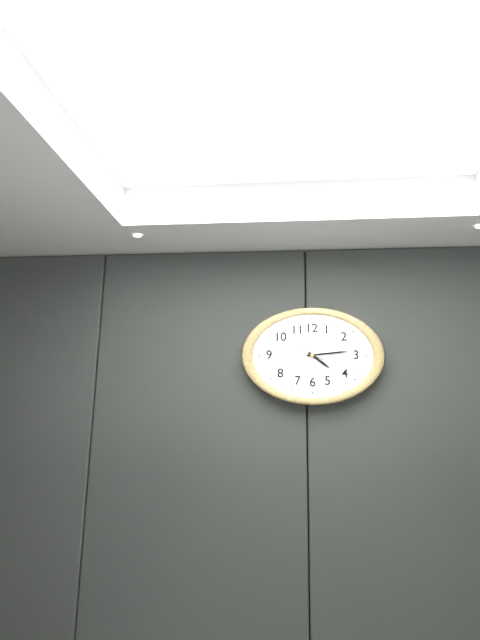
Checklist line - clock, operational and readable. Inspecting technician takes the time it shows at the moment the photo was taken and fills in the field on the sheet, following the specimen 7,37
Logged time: 4,14
